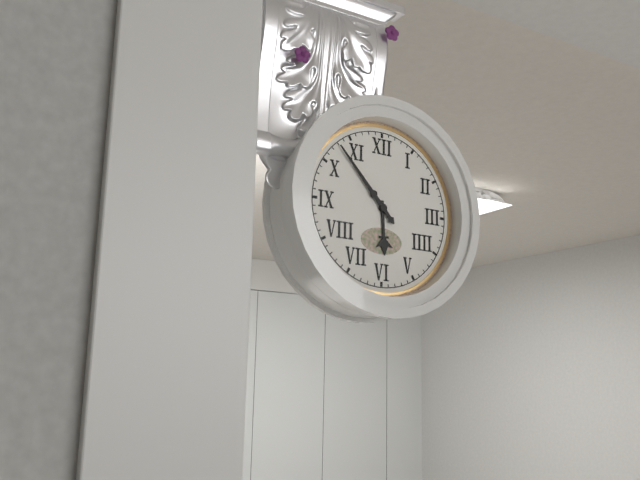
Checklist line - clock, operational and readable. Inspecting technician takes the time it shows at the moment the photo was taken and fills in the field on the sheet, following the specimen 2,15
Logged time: 5,53
